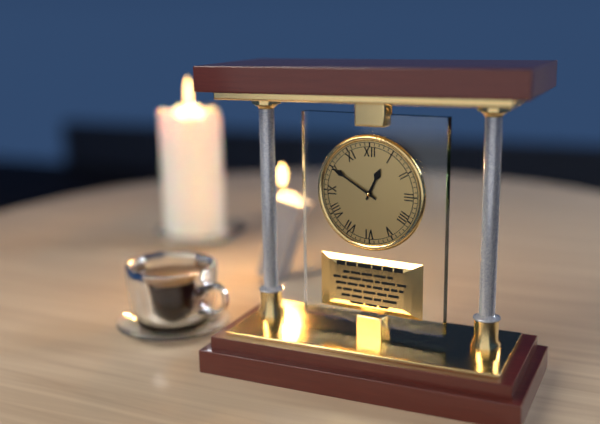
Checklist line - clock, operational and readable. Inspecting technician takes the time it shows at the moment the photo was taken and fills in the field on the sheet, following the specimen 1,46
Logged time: 12,50
